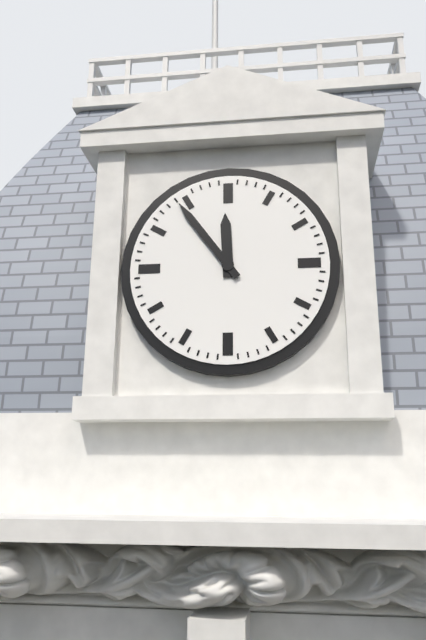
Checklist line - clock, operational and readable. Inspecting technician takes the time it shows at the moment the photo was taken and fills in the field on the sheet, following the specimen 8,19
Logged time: 11,54
